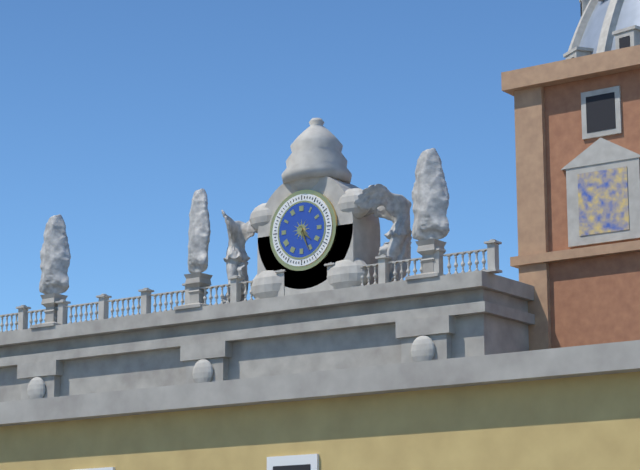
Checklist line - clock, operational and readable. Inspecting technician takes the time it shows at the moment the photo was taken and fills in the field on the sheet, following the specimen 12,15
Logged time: 4,26
